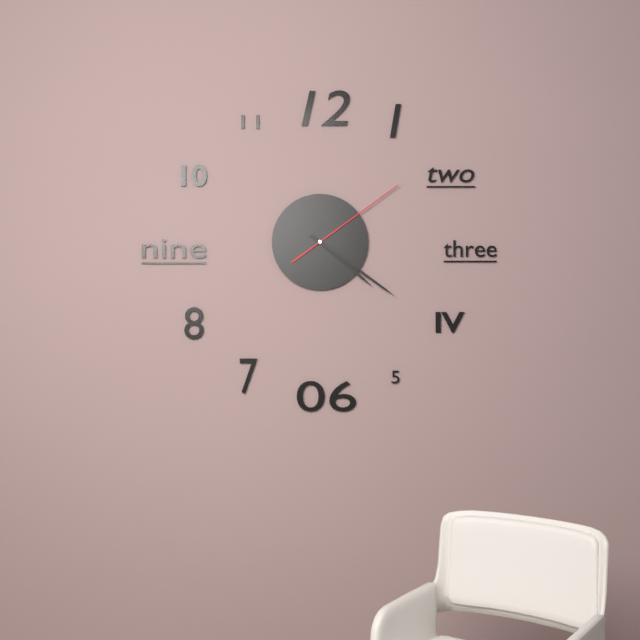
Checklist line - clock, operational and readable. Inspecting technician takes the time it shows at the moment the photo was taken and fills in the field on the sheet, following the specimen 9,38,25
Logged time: 4,21,09
